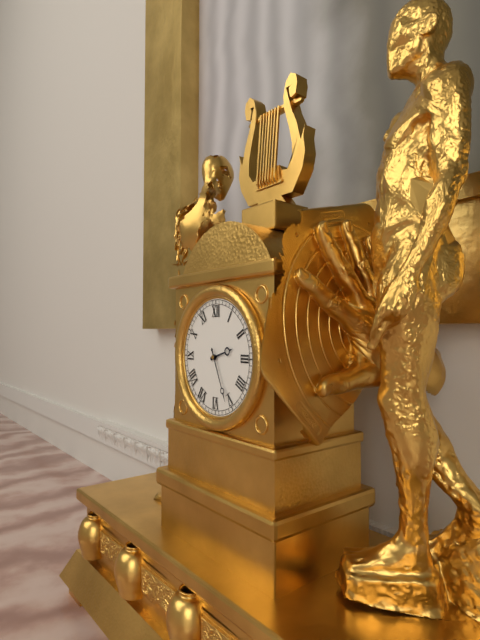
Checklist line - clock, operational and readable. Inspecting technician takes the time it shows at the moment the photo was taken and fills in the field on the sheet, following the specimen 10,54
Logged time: 2,26
